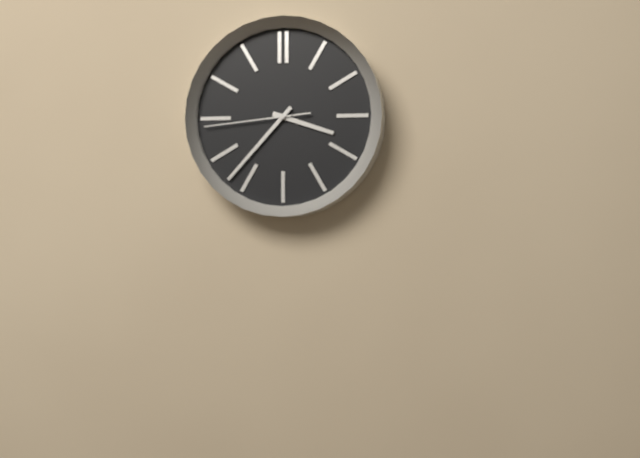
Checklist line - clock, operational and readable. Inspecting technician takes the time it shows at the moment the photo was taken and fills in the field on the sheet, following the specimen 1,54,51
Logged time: 3,37,44
